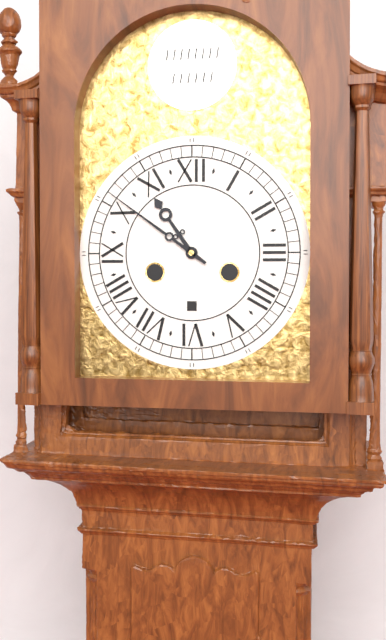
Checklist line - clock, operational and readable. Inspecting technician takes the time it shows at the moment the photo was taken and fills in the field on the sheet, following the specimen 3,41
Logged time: 10,51
